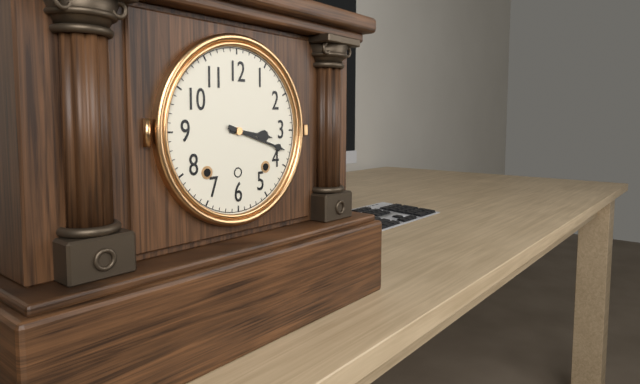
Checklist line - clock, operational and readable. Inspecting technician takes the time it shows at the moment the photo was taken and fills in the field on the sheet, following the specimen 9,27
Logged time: 3,18
